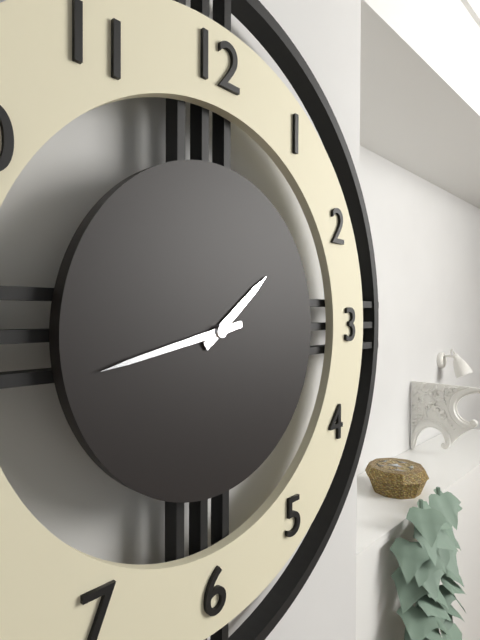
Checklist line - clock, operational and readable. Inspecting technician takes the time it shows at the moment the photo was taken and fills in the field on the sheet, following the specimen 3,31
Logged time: 1,43
